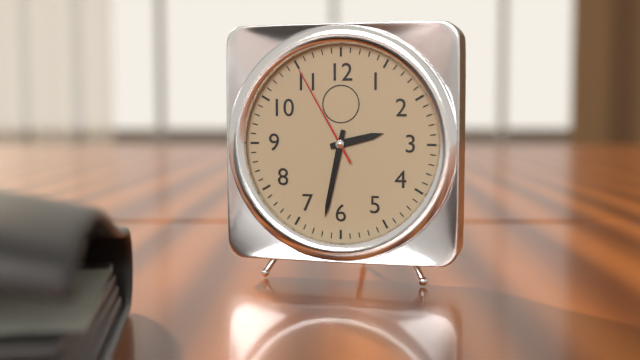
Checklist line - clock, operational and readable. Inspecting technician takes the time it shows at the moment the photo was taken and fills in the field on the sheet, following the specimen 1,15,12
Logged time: 2,32,55
